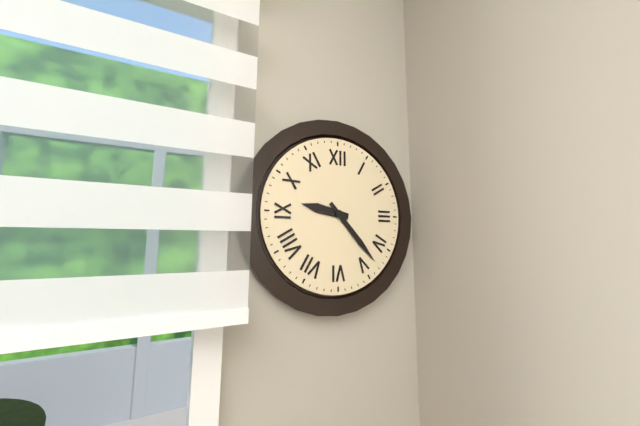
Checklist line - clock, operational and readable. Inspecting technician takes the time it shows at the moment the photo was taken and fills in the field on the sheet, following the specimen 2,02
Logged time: 9,23
